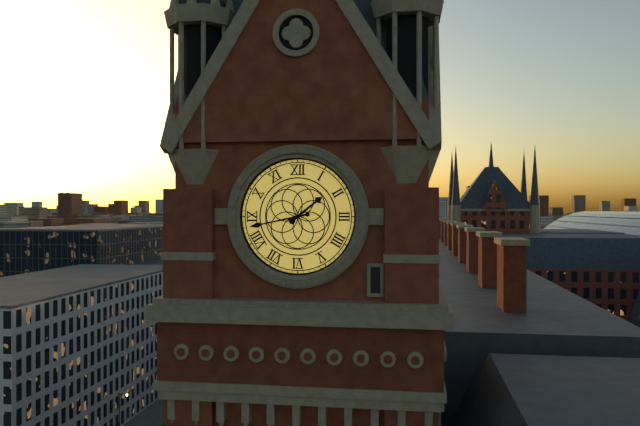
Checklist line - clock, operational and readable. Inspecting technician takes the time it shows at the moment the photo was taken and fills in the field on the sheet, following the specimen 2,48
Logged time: 1,43
